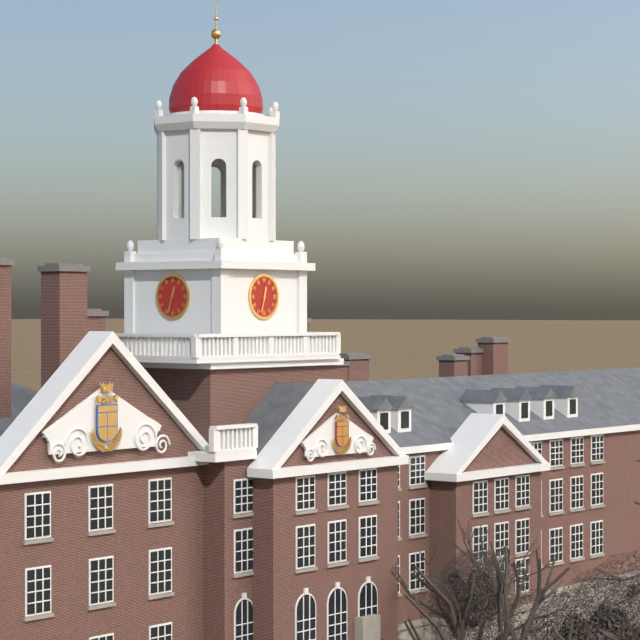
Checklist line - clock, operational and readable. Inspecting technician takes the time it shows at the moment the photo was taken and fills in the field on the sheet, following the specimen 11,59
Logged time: 12,33
